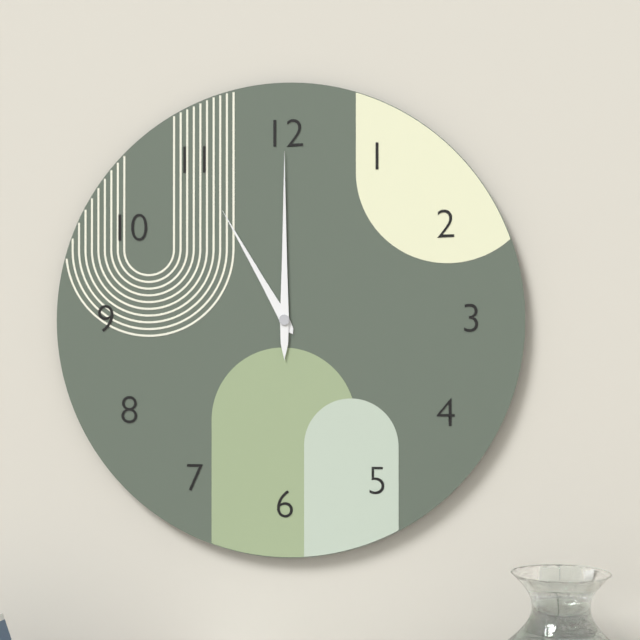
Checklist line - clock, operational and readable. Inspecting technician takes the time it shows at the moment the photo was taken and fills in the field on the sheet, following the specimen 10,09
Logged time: 11,00
